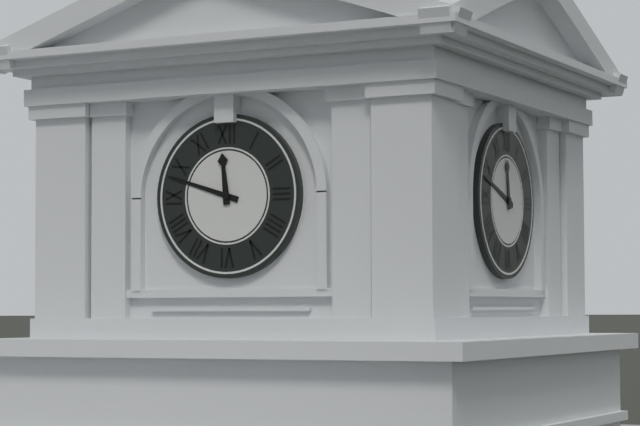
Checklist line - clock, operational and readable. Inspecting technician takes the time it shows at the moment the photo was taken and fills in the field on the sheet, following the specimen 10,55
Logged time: 11,48
